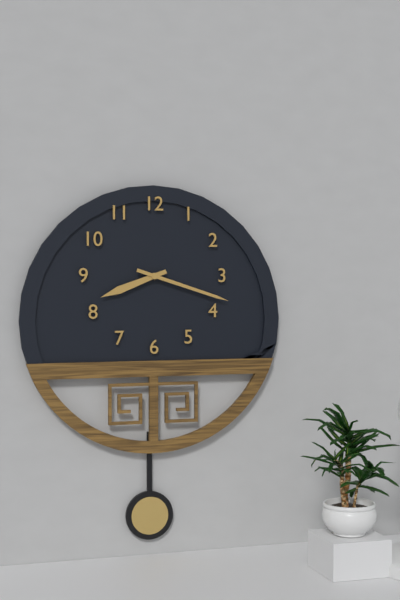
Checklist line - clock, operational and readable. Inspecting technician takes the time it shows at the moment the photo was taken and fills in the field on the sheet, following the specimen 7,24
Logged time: 8,18
